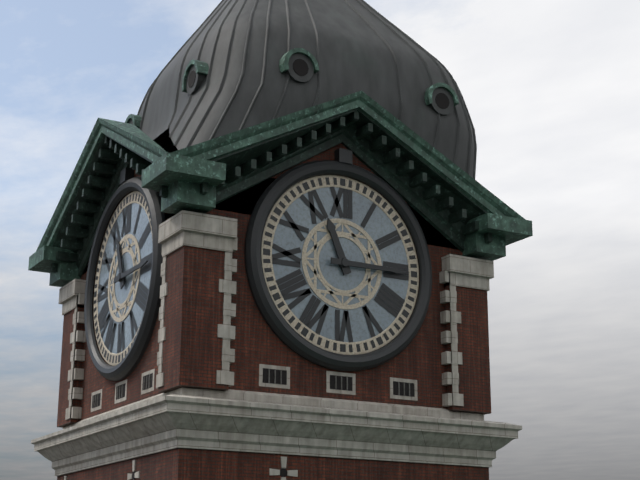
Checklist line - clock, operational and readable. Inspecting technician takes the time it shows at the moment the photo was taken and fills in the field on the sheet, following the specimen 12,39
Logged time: 11,15
